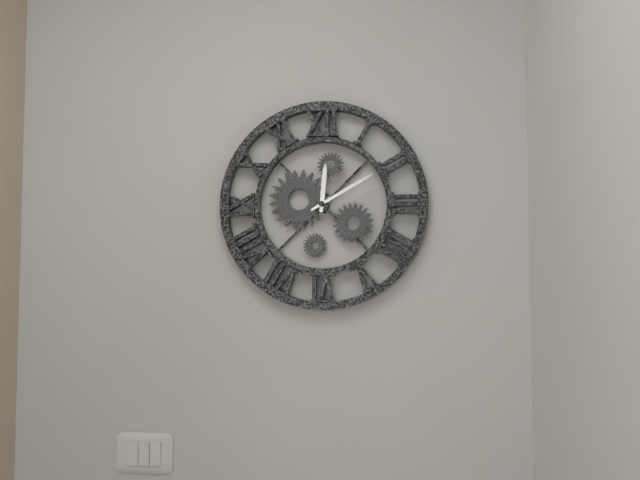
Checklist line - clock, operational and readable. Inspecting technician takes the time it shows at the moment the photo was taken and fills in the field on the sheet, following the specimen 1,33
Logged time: 12,10
